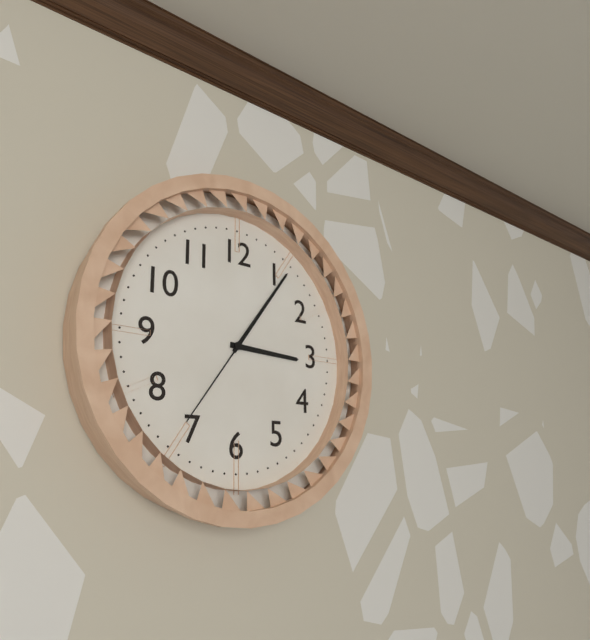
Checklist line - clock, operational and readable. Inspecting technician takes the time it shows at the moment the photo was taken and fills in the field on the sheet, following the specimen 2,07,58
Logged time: 3,06,36
